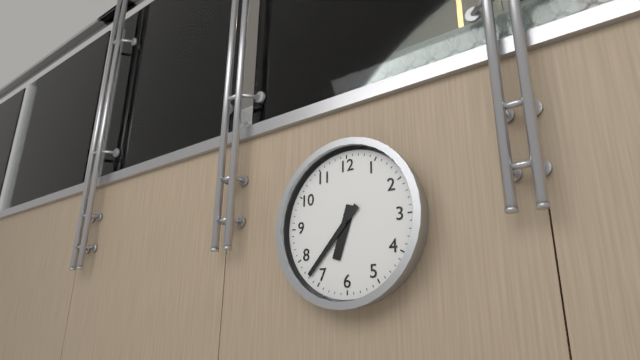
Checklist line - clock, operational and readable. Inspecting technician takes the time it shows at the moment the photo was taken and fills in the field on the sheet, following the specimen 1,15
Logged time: 6,37
